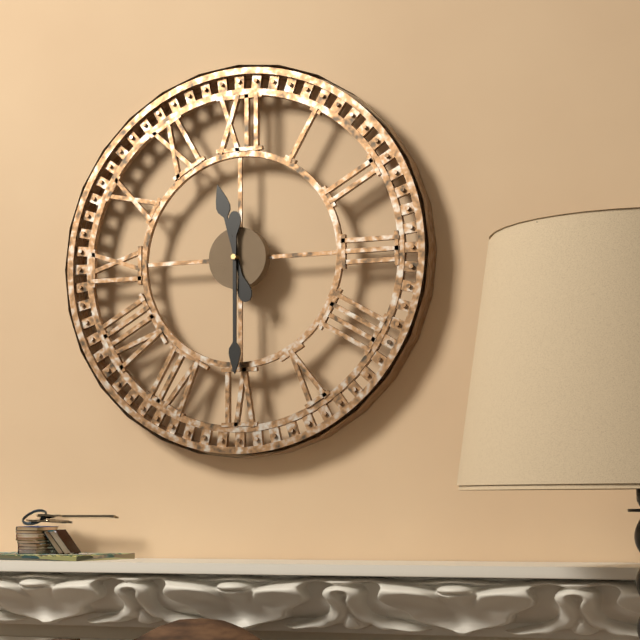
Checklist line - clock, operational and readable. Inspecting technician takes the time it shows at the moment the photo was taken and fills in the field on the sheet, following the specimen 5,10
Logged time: 11,30
